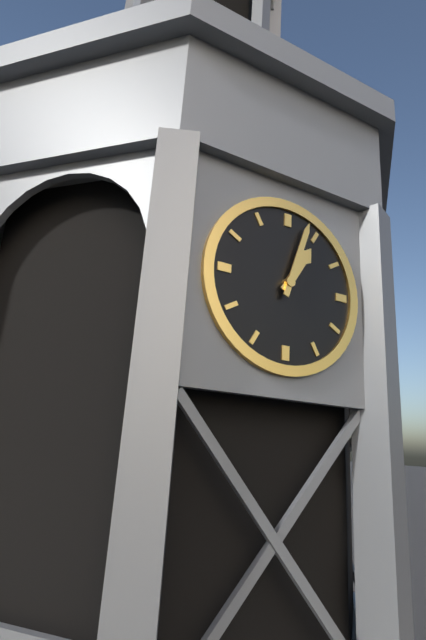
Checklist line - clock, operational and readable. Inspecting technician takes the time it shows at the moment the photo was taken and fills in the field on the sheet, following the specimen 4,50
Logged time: 1,03
